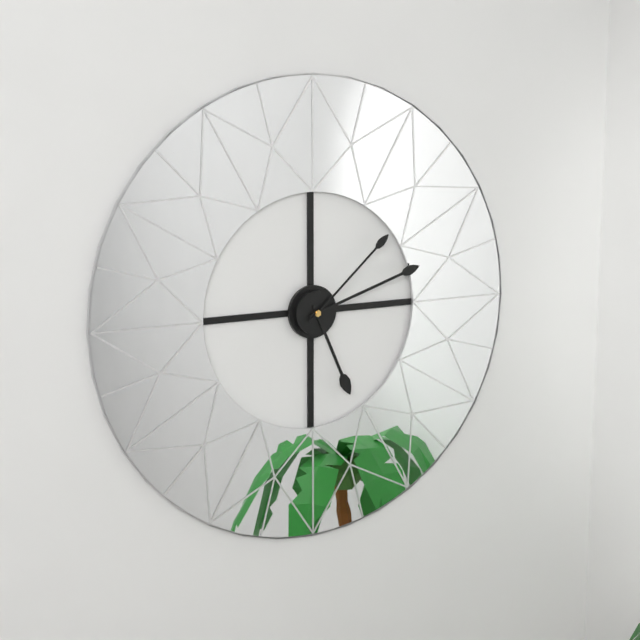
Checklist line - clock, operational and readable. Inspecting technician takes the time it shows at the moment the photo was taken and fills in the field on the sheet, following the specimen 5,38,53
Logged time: 5,12,08
